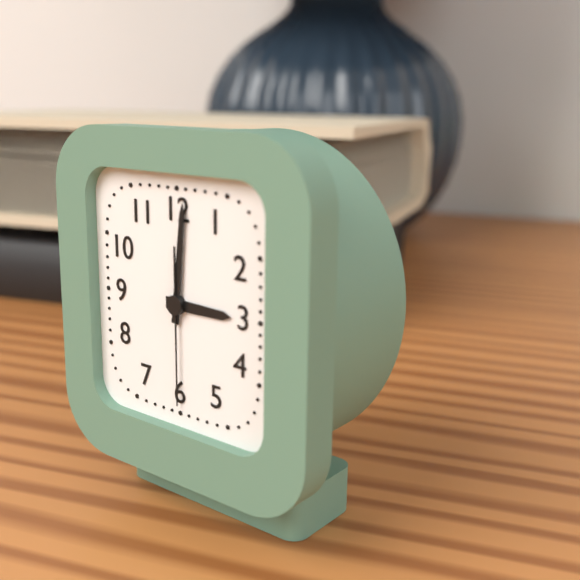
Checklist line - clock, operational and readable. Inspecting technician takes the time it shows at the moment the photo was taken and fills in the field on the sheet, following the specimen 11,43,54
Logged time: 3,01,30
